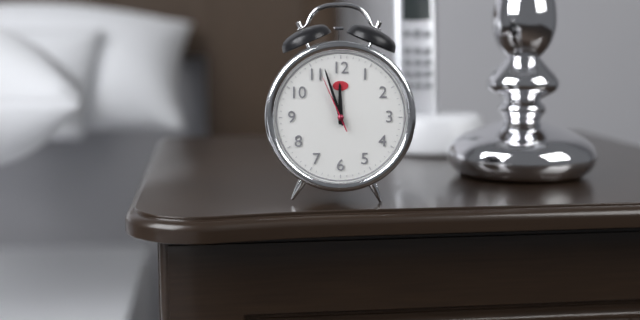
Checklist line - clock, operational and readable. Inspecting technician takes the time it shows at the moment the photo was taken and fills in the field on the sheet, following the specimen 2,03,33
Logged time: 11,57,56
